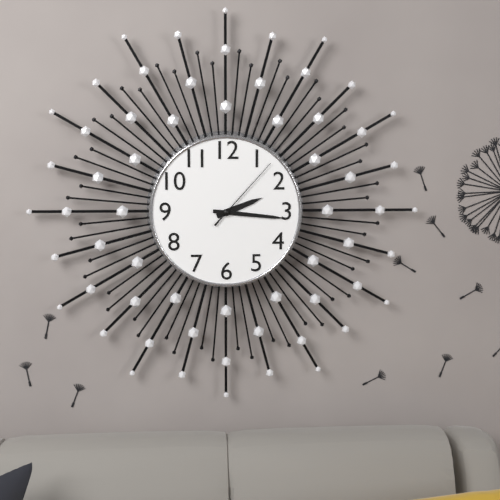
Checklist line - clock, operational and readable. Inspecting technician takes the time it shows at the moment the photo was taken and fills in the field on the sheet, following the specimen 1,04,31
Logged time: 2,16,07
